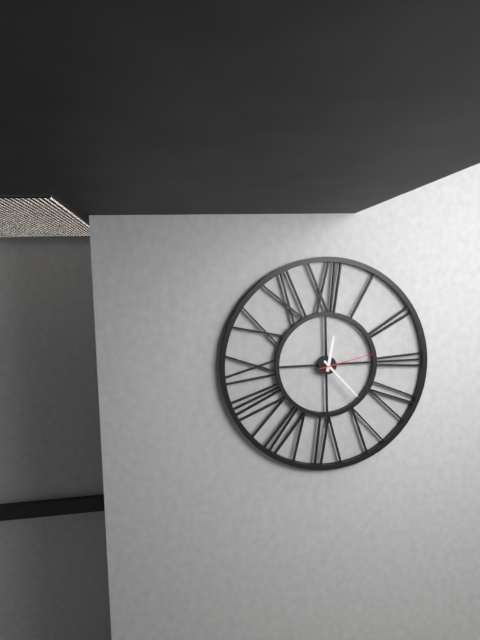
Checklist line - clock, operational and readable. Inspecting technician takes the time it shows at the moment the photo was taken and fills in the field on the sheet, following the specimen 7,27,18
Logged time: 12,23,13
